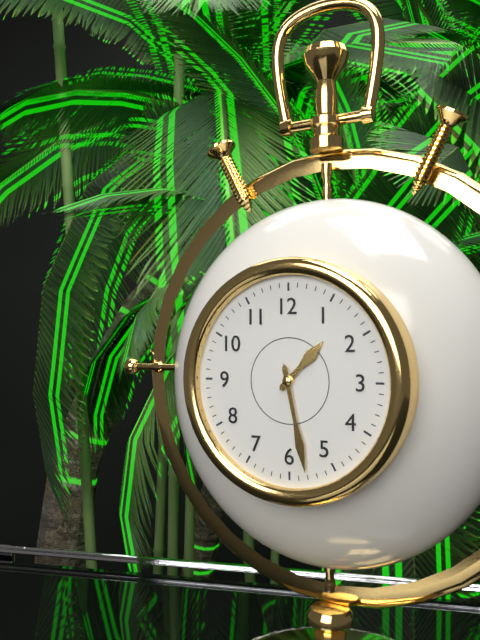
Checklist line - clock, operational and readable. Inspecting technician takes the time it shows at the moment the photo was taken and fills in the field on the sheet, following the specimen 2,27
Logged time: 1,28
